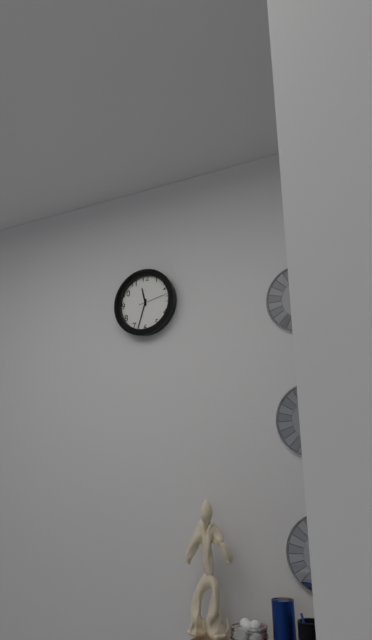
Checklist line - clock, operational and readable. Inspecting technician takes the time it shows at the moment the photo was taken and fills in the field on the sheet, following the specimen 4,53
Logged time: 11,33
